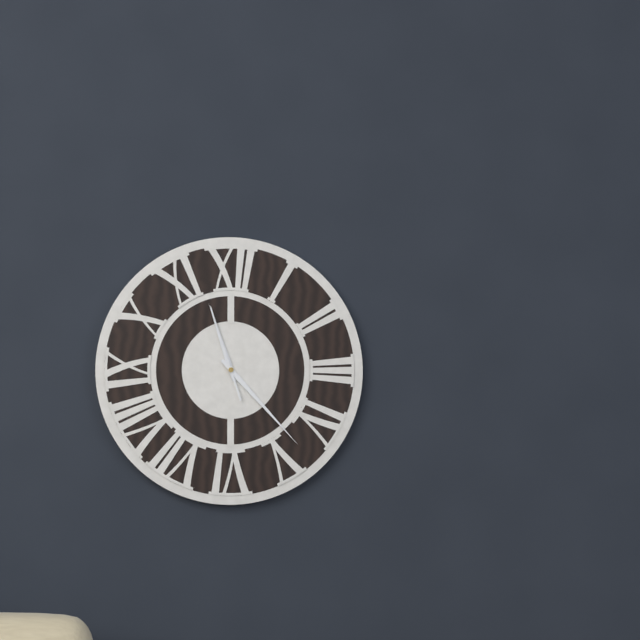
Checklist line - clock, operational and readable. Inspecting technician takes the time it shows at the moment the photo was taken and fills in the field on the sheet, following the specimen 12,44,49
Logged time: 11,23,57
